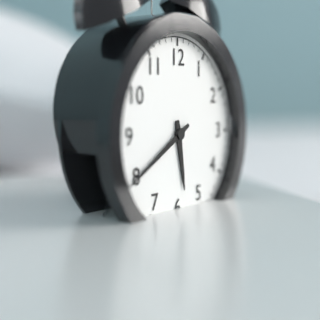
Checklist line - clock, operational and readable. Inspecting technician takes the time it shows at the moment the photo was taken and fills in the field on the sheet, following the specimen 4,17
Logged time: 5,40
